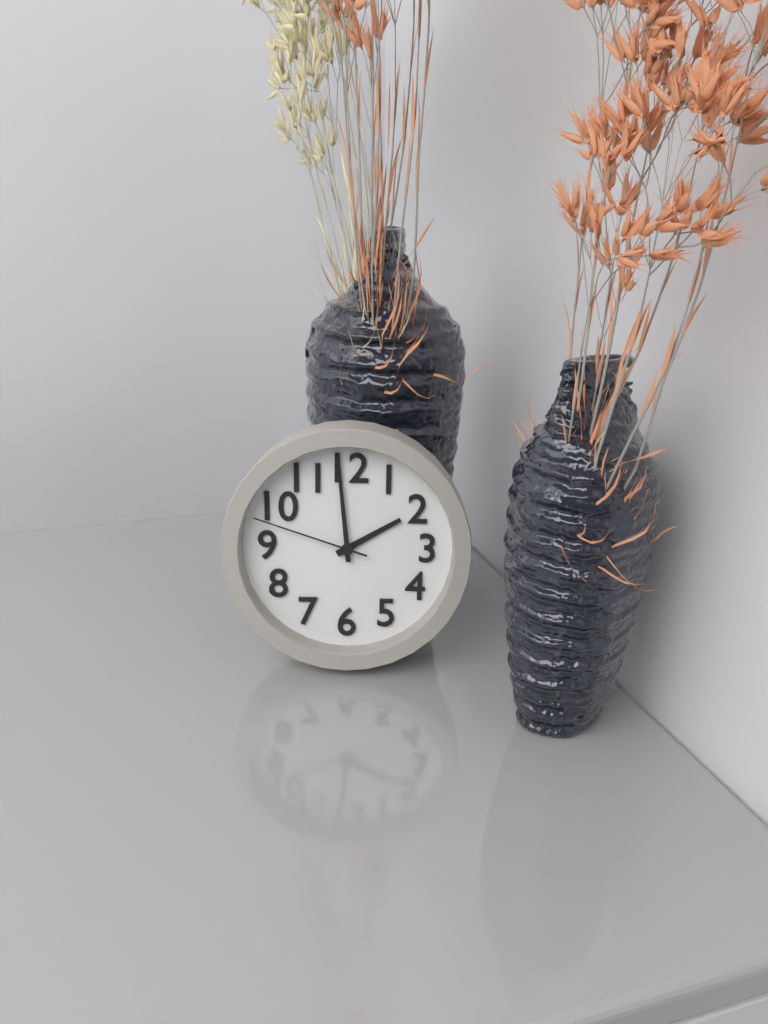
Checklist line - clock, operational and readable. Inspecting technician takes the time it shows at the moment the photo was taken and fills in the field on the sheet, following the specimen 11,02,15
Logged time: 1,59,48
